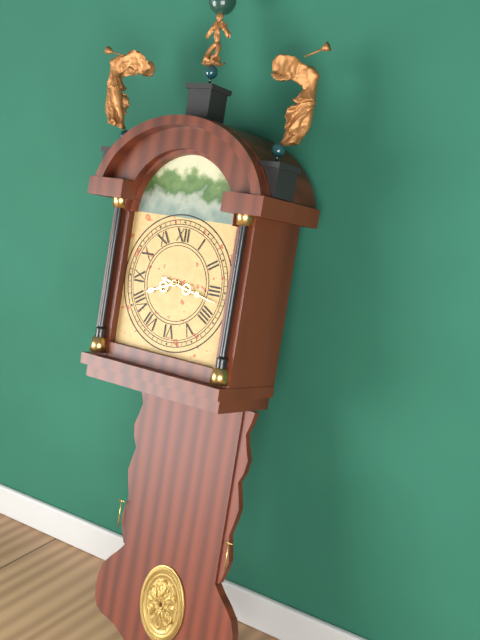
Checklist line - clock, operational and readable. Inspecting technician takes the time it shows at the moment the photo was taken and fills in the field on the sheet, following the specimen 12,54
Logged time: 8,17
